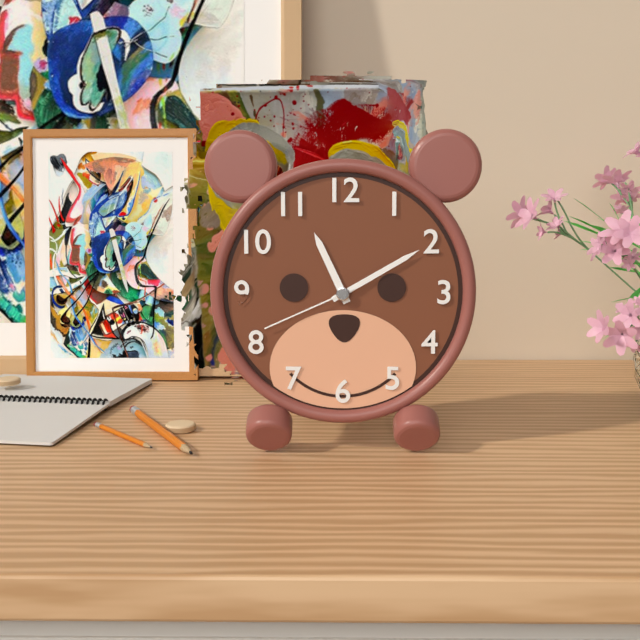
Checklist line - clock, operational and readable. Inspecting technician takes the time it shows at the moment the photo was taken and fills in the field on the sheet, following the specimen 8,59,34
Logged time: 11,10,41
